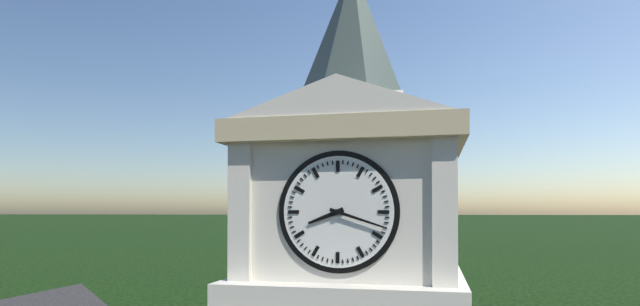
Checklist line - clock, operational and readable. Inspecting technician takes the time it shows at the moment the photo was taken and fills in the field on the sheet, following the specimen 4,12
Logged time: 8,18
